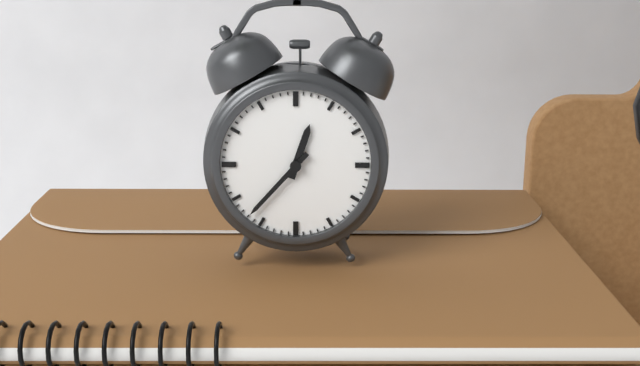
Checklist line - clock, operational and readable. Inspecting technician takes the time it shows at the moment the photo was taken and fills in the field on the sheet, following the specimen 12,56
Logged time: 12,37
